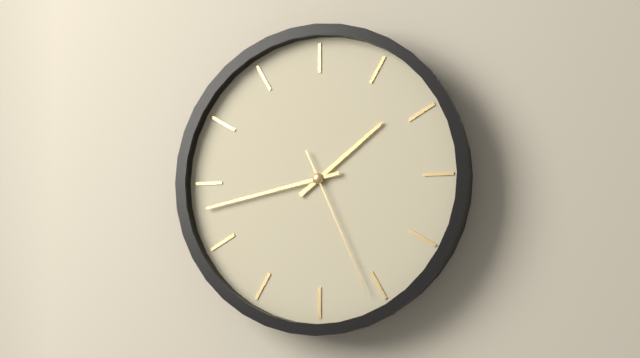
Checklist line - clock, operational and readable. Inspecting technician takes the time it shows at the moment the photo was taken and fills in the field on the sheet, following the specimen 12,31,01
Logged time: 1,43,26
